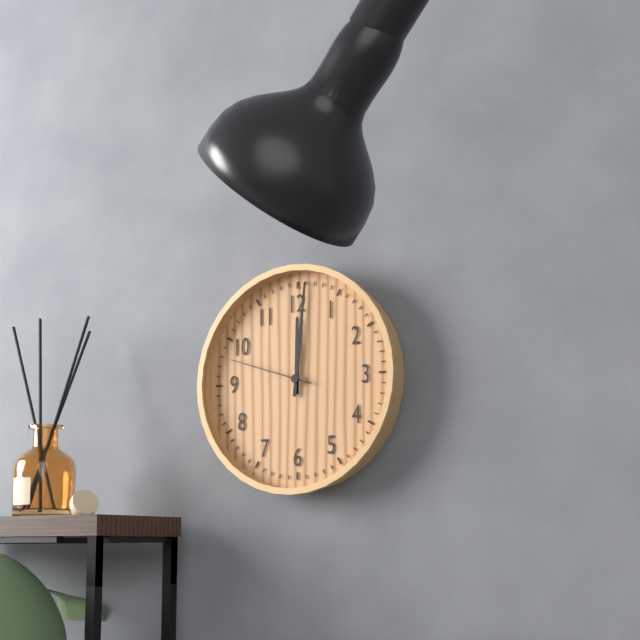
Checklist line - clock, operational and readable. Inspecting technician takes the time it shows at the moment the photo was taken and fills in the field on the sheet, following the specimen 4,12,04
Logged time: 12,01,48
